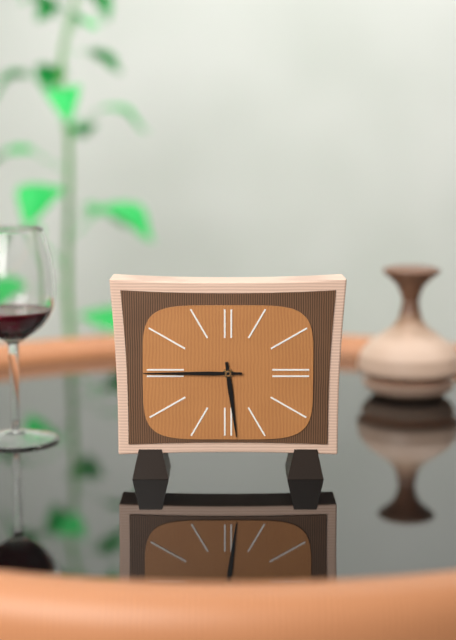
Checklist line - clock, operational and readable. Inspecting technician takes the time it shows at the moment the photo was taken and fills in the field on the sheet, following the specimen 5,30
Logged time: 5,45
